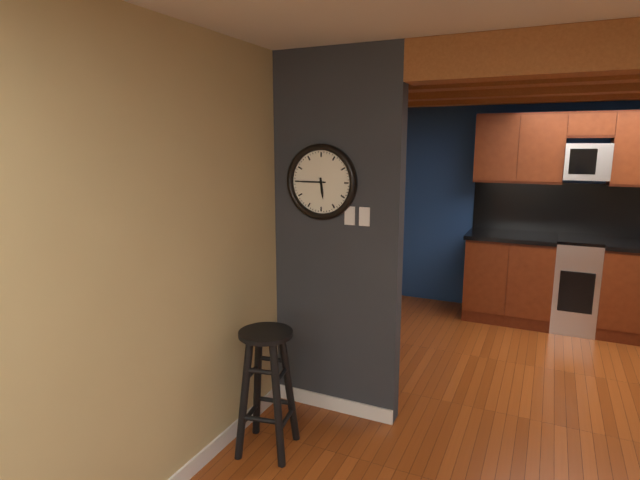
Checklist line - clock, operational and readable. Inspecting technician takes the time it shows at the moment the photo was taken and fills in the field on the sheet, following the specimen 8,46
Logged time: 5,45
